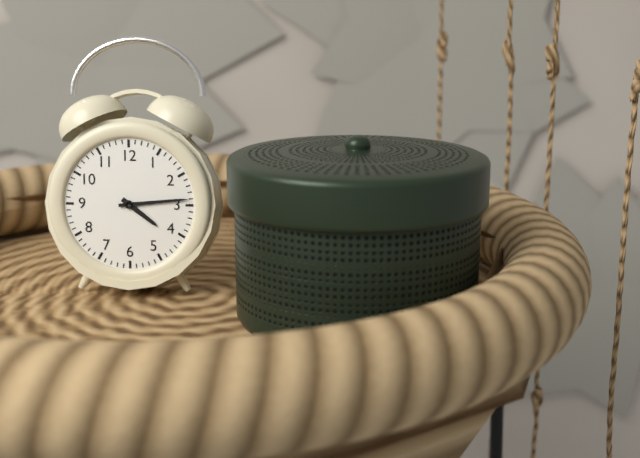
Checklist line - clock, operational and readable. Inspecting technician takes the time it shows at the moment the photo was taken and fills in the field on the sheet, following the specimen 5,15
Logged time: 4,14
